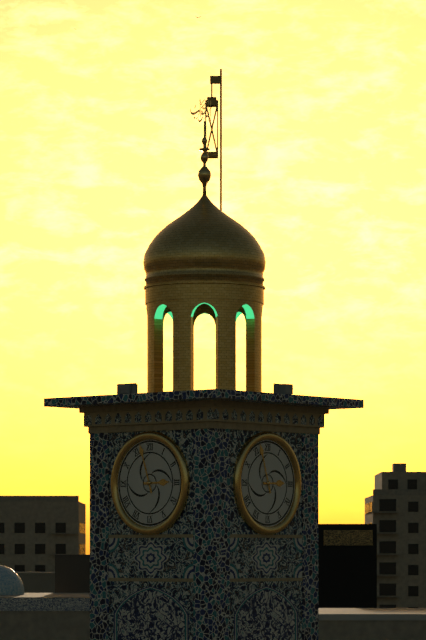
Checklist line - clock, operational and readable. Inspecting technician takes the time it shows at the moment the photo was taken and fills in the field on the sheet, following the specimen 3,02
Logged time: 2,57
